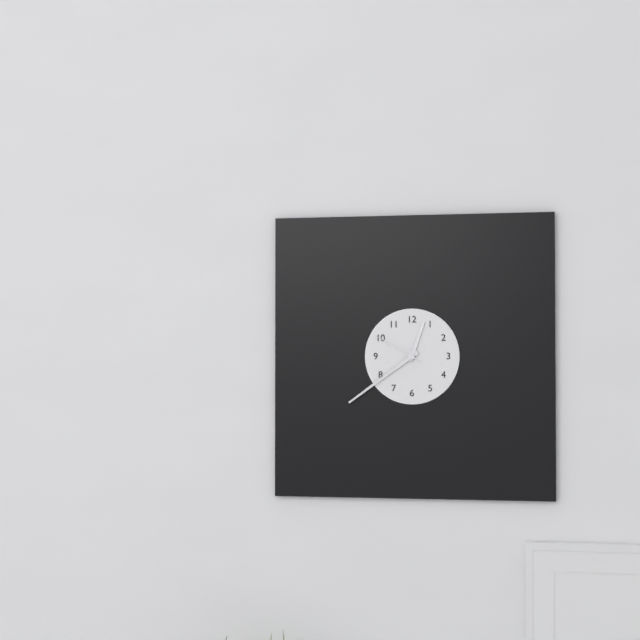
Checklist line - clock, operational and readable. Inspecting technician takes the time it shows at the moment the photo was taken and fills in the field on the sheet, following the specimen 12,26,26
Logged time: 12,39,50
